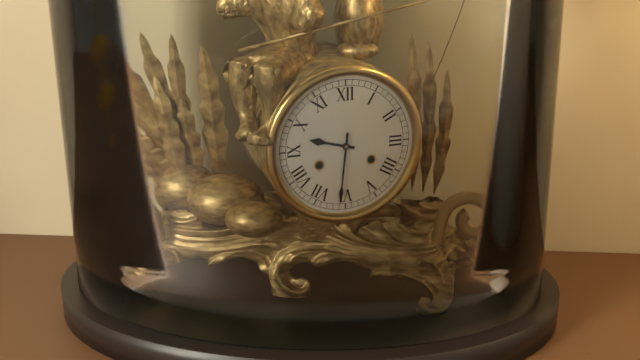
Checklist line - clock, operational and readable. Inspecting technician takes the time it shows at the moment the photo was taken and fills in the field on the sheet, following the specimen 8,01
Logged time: 9,31
